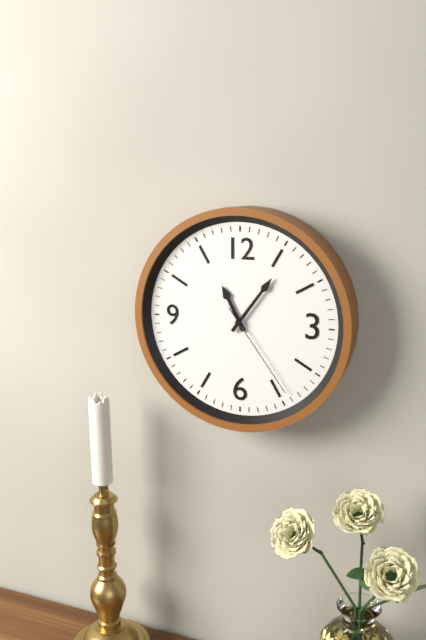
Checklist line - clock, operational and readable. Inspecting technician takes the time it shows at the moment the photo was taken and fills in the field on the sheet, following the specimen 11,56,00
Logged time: 11,06,24
